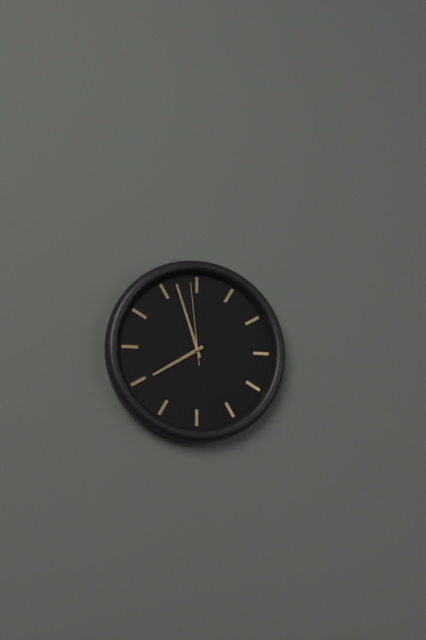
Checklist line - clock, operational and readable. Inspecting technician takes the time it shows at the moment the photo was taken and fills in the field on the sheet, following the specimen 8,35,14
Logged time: 7,57,59
